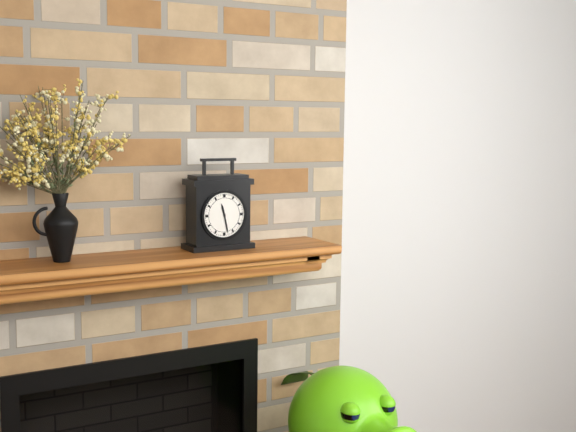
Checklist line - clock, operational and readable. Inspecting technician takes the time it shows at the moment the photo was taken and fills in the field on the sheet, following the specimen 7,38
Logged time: 11,28
